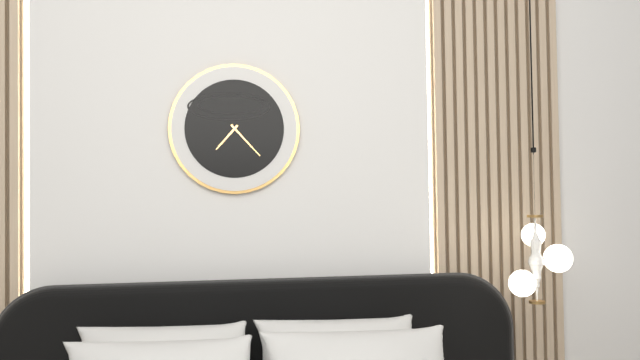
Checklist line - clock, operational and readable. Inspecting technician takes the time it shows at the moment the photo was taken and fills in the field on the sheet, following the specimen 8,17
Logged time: 7,23
